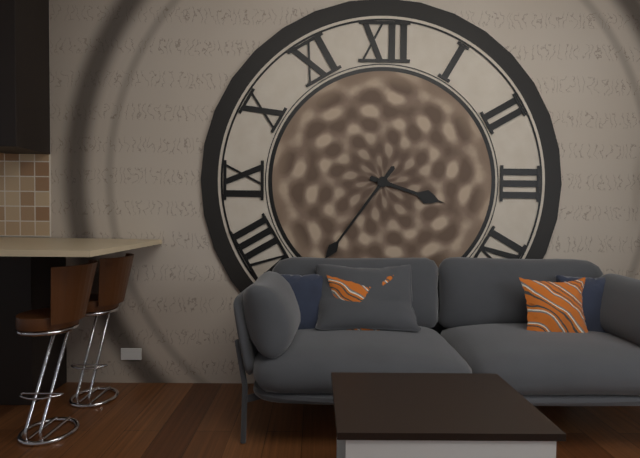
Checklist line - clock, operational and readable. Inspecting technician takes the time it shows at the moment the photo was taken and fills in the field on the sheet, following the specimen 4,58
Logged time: 3,36
